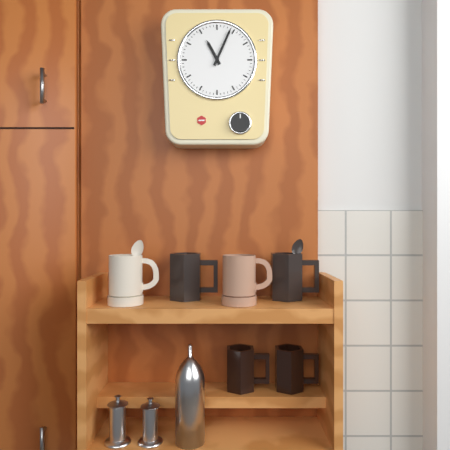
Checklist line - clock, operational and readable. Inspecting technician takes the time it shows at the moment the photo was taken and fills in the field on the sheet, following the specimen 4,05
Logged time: 11,04
